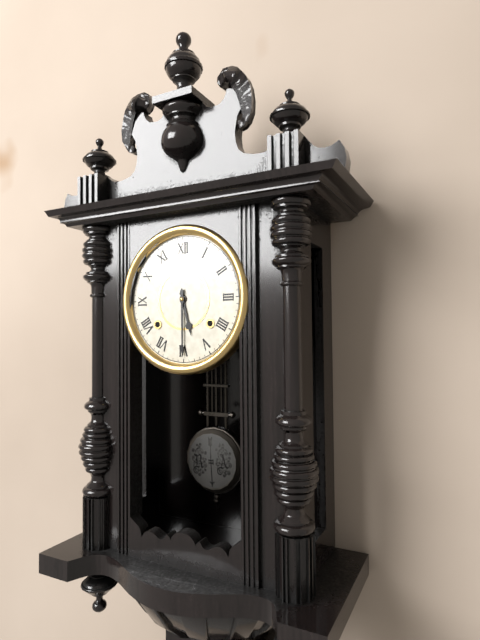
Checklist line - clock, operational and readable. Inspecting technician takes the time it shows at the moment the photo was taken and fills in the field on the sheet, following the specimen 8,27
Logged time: 5,30
